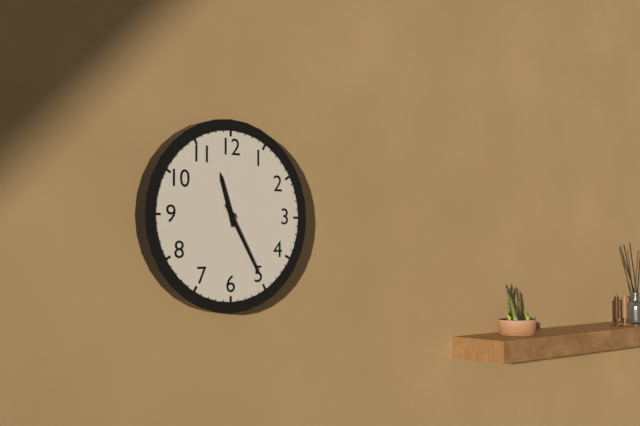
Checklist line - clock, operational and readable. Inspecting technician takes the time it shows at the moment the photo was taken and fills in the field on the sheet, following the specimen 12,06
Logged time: 11,25
